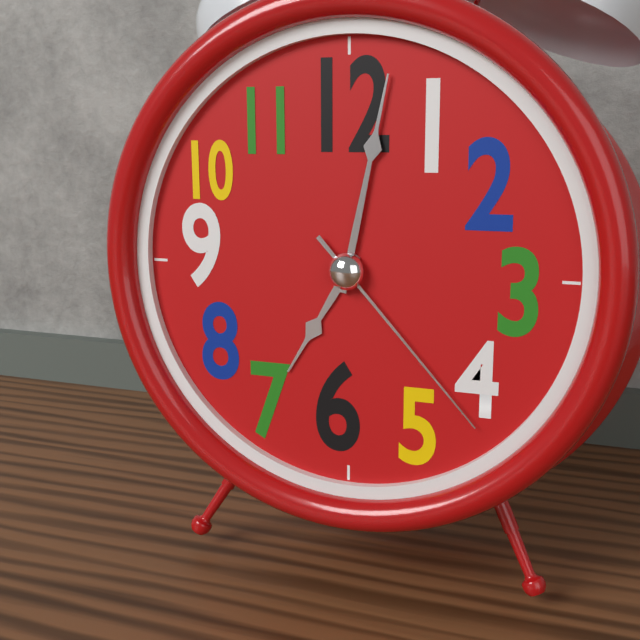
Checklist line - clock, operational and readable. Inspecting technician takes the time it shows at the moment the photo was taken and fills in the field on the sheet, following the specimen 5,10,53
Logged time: 7,02,23
